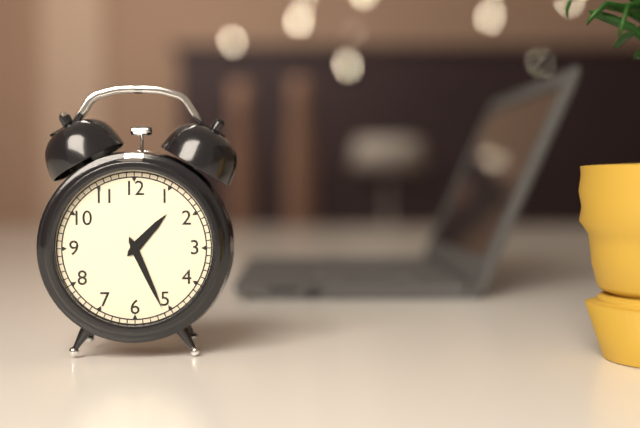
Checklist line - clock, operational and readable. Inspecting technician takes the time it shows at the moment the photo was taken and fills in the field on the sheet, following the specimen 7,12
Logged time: 1,26
